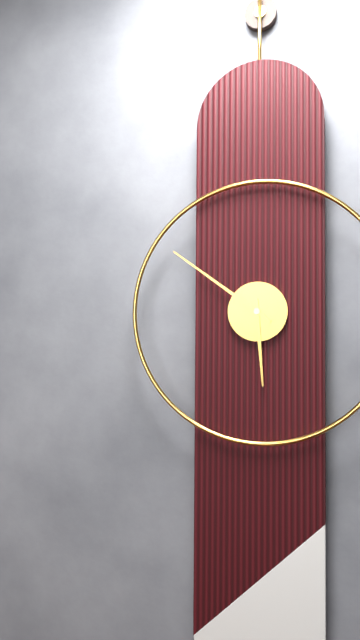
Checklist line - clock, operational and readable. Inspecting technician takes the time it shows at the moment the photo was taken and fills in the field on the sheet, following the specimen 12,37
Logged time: 5,51
